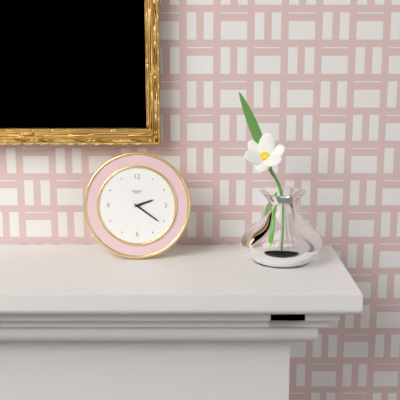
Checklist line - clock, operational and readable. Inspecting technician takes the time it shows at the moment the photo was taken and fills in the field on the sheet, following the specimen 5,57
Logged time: 2,21
